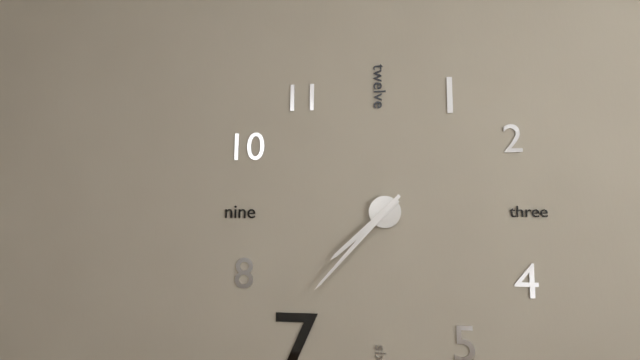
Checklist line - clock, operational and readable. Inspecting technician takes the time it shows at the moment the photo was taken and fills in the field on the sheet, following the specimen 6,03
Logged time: 7,37
